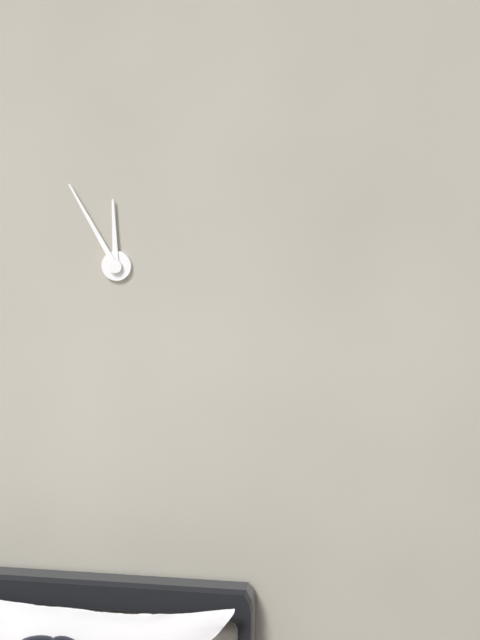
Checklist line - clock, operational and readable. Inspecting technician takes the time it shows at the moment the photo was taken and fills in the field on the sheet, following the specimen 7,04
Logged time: 11,55
